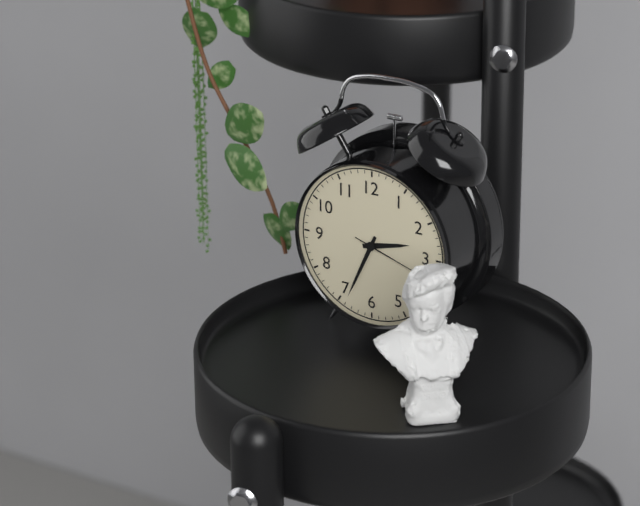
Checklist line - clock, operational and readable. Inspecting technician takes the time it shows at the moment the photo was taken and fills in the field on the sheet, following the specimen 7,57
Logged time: 2,34
